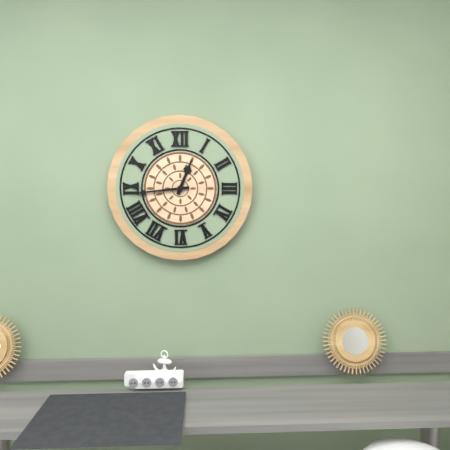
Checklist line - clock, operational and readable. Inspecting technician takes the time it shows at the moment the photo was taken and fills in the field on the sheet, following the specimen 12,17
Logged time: 12,44
